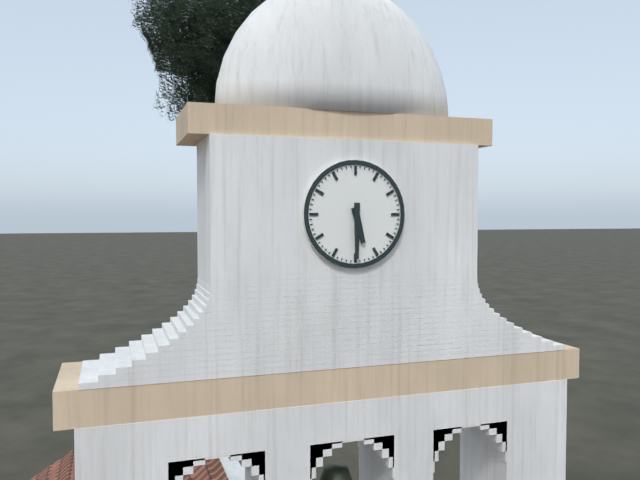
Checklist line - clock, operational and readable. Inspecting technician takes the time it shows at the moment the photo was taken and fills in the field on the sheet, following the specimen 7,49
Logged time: 5,30
